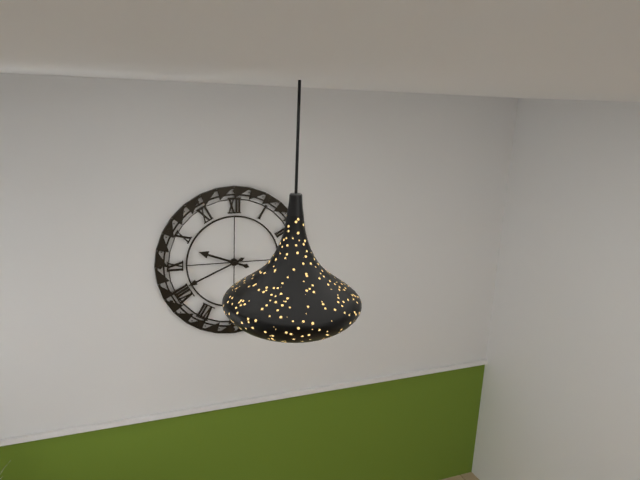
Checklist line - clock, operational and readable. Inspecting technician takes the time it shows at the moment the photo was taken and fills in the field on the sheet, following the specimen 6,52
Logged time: 9,41
